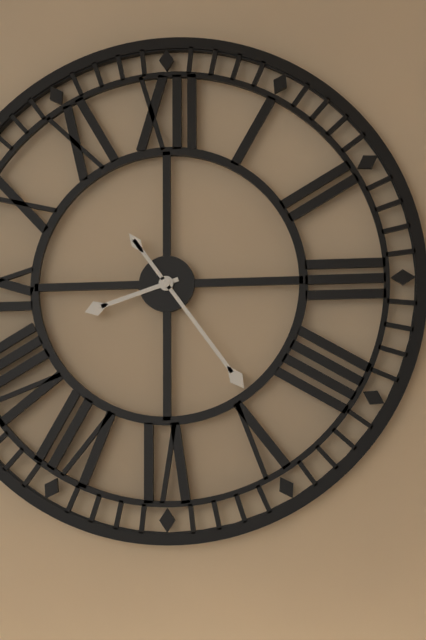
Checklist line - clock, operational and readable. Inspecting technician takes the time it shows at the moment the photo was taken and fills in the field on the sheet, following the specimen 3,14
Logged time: 8,24
